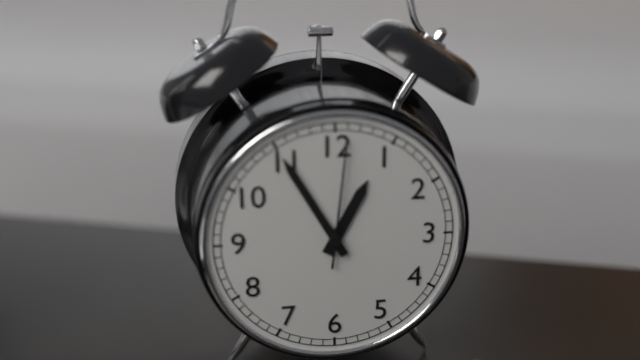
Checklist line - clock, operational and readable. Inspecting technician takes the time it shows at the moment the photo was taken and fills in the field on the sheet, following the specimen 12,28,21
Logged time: 12,55,01
